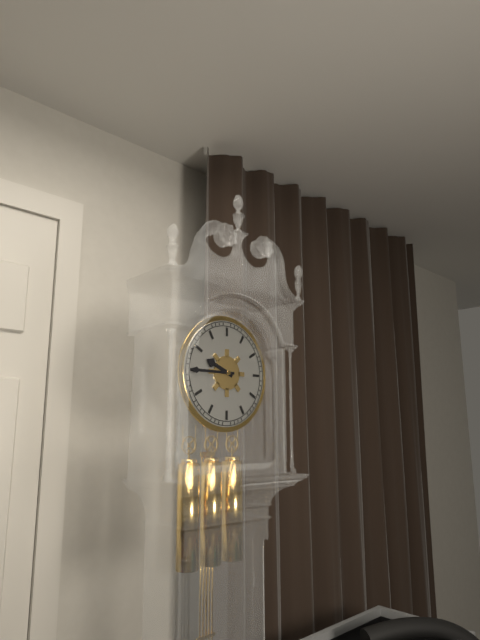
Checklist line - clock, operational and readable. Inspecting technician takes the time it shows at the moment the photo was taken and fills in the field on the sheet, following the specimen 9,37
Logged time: 9,45
